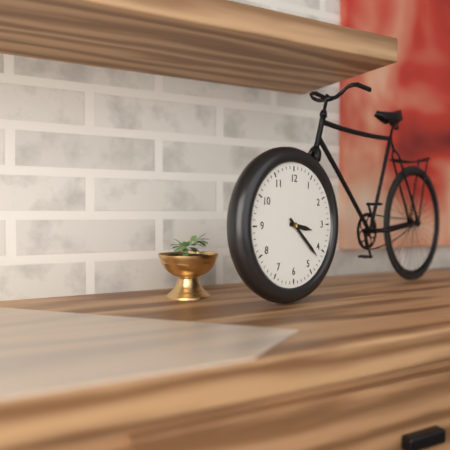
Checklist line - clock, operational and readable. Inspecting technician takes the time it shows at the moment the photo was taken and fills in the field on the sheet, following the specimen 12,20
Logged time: 3,22
